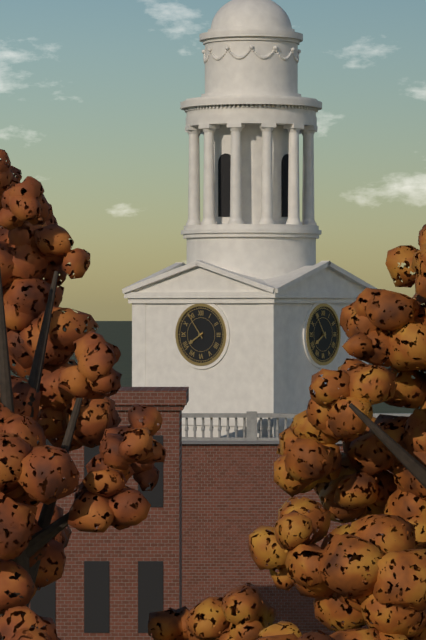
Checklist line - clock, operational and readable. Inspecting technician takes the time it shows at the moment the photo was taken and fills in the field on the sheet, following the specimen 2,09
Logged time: 7,54
